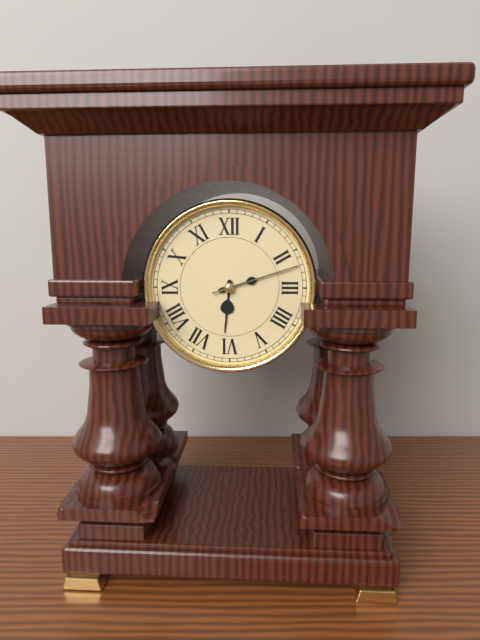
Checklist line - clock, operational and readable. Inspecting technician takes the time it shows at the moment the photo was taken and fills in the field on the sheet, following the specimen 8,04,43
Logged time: 6,12,12
